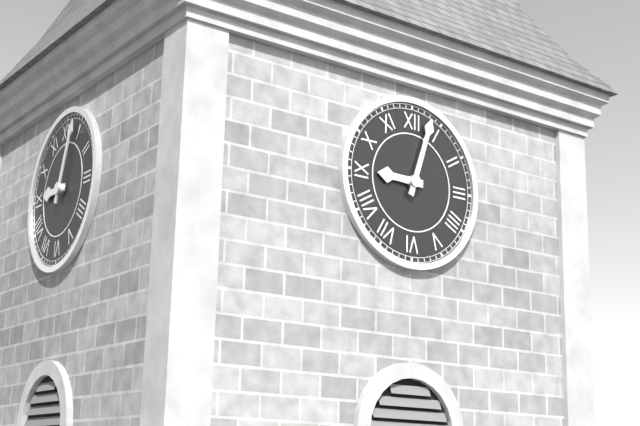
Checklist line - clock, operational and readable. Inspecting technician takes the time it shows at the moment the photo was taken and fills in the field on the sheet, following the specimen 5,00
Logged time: 9,03
